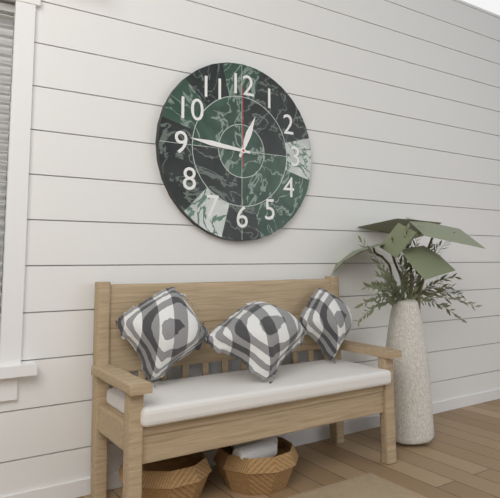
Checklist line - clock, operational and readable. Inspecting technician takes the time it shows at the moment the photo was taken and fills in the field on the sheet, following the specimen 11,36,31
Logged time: 12,46,00
